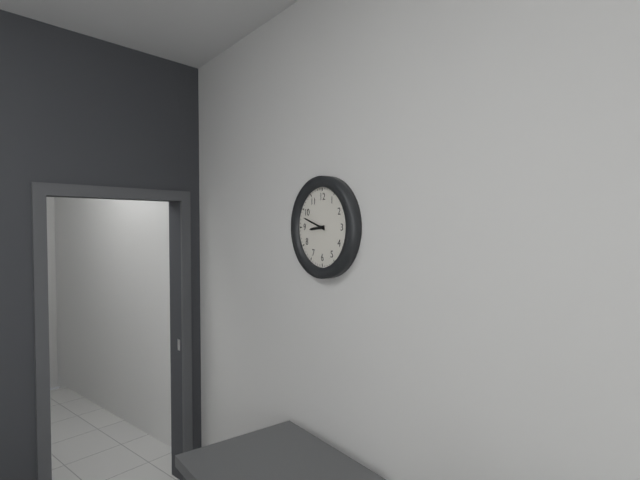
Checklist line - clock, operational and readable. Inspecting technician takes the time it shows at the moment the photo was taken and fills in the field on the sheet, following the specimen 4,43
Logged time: 8,48
